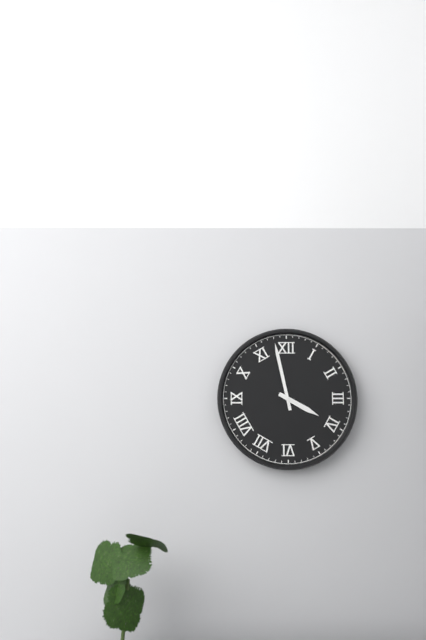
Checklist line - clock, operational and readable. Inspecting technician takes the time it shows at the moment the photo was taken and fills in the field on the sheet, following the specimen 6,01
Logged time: 3,58
